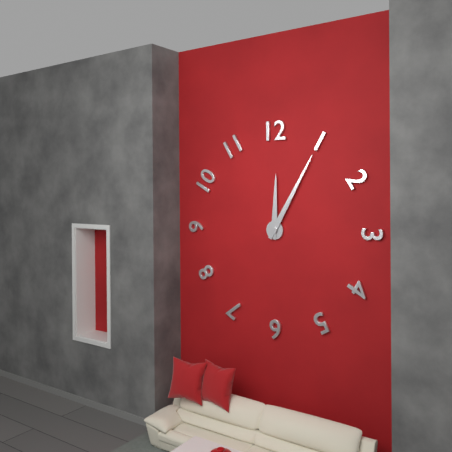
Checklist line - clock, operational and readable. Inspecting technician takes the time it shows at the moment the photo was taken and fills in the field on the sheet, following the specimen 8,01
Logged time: 12,05
